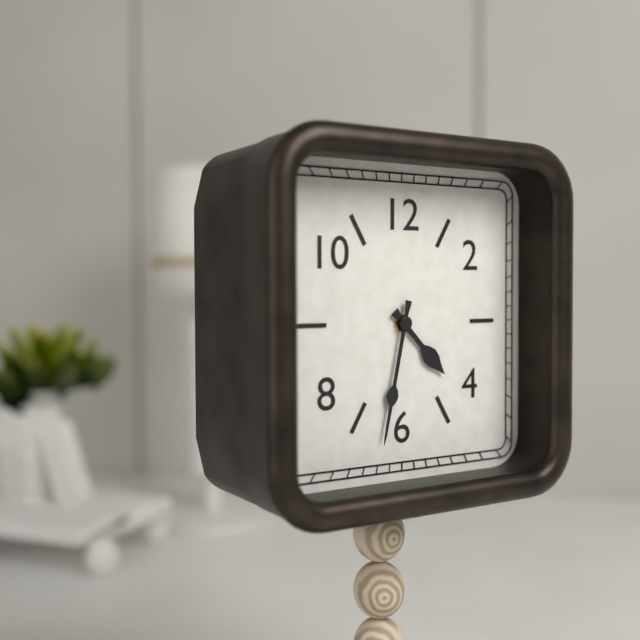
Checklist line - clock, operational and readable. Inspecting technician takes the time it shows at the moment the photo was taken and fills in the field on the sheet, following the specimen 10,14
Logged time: 4,32
